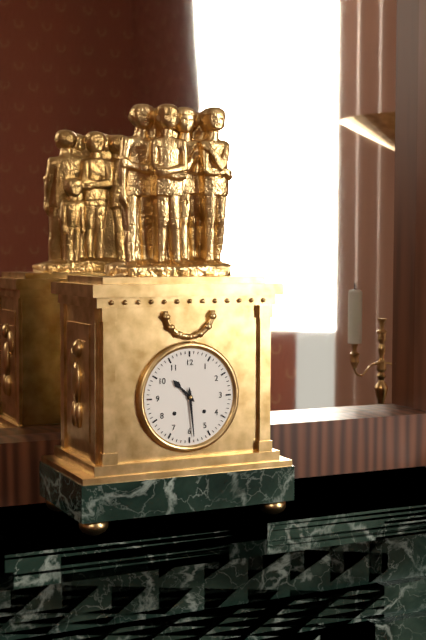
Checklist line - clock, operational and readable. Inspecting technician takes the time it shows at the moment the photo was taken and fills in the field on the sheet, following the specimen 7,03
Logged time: 10,29
